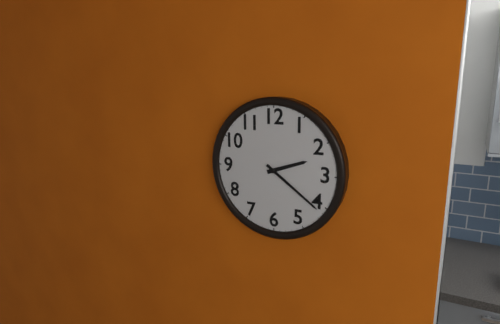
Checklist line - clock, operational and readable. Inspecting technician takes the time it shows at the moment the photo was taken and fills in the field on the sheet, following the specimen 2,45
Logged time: 2,21
